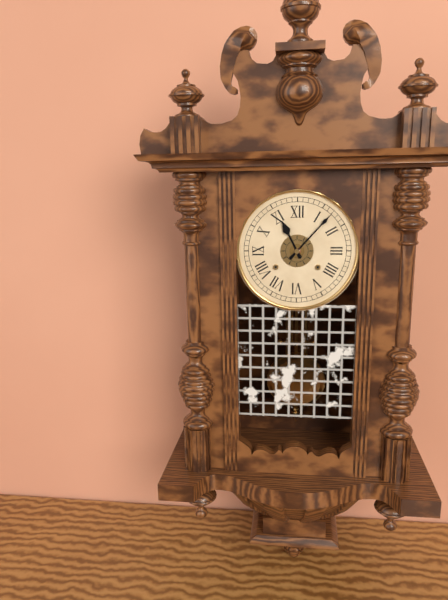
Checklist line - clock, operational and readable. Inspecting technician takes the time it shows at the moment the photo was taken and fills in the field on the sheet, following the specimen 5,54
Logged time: 11,07
